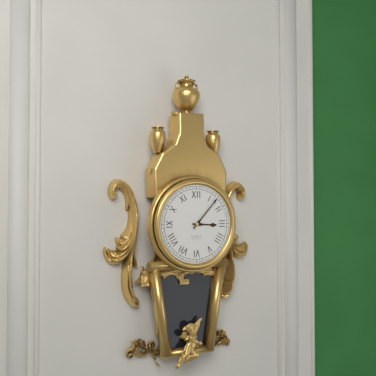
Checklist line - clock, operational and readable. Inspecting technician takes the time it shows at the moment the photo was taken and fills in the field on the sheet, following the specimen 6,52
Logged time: 3,07
